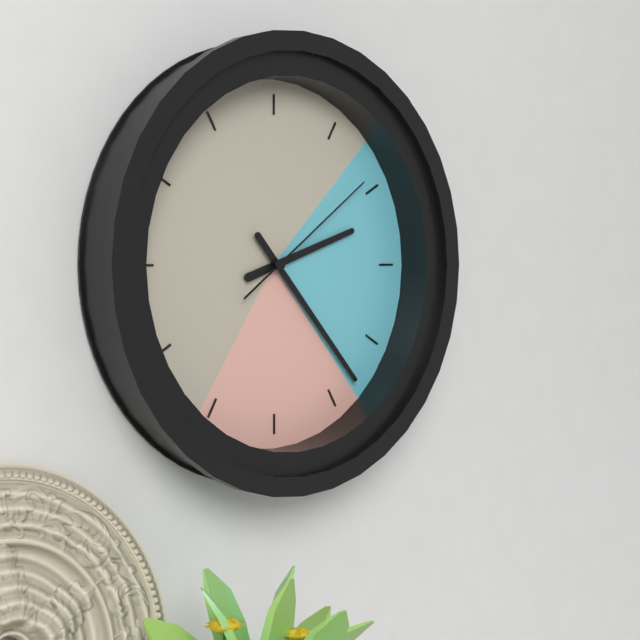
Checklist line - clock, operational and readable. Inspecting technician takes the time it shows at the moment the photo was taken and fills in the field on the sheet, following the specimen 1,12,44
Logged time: 2,23,09
